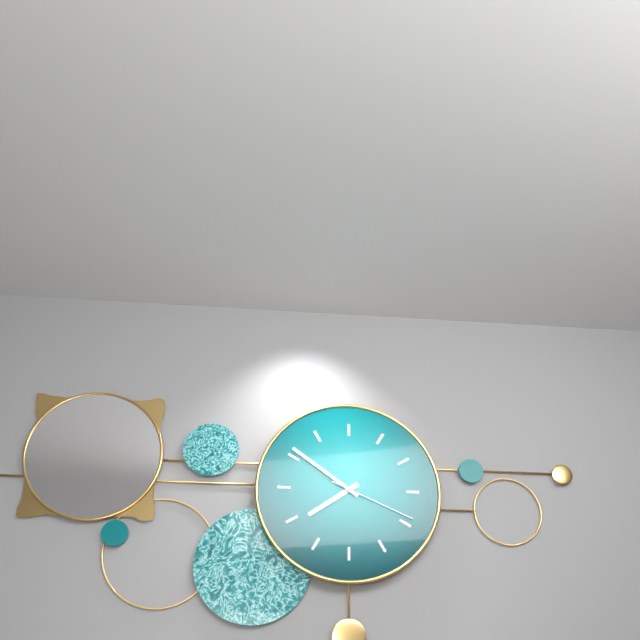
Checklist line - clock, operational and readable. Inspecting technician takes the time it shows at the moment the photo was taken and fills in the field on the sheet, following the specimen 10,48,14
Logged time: 7,51,19
